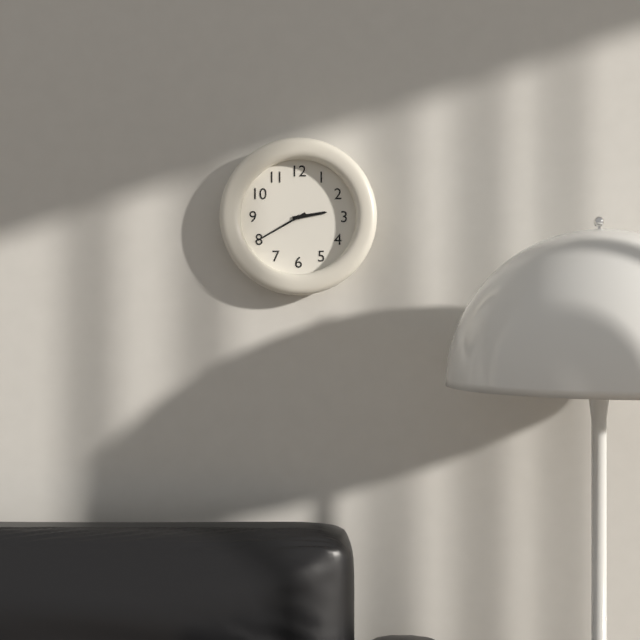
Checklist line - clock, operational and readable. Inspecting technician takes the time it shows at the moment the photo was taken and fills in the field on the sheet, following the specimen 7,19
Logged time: 2,40
